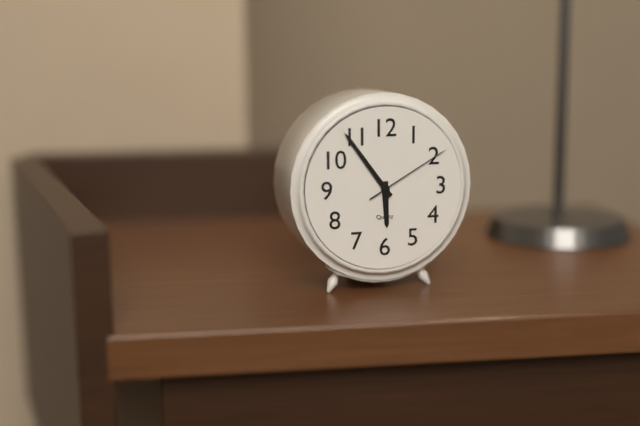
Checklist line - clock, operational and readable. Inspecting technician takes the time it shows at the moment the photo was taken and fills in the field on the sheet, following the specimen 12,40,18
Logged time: 5,54,10
